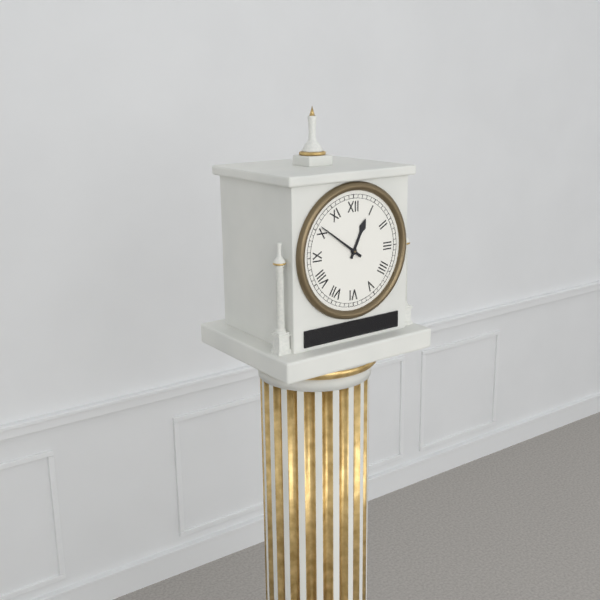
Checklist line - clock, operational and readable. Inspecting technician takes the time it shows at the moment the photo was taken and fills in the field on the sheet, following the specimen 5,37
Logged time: 12,51
